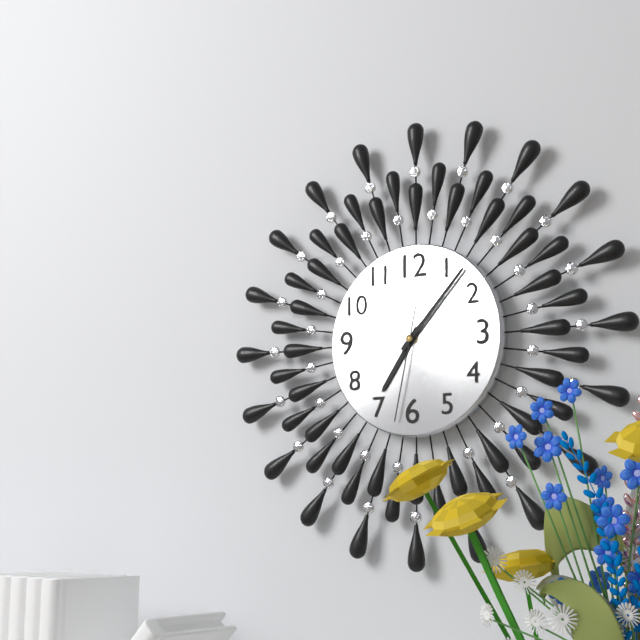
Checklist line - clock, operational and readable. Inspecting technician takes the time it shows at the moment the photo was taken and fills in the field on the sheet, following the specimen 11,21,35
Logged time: 7,07,32
